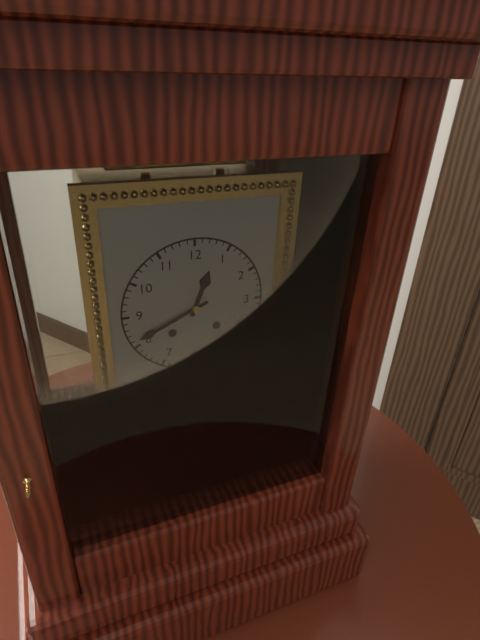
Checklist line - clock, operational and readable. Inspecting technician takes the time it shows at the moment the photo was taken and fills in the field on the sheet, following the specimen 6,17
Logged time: 12,41
